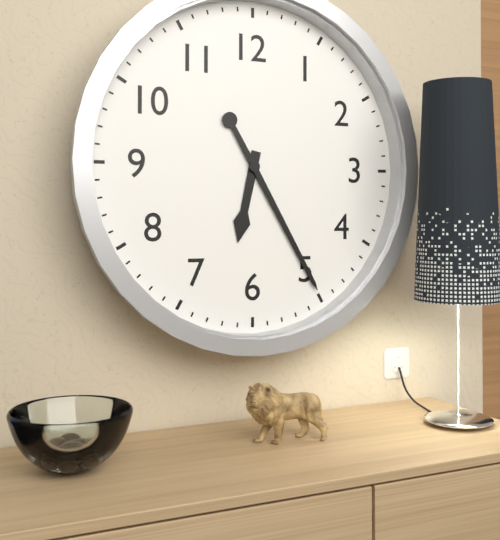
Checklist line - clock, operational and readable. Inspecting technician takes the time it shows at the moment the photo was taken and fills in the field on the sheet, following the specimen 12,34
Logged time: 6,25
